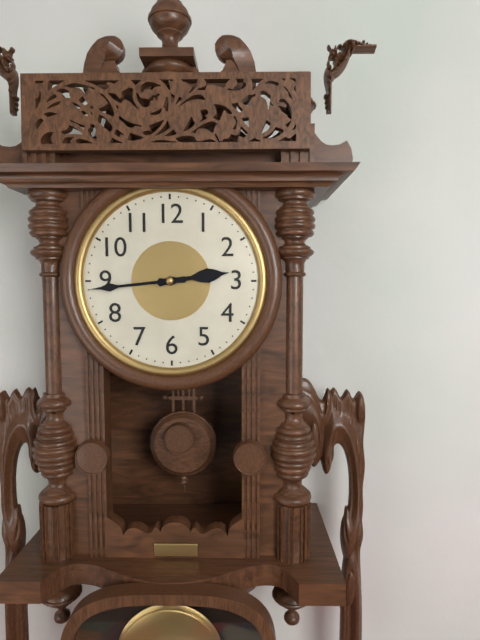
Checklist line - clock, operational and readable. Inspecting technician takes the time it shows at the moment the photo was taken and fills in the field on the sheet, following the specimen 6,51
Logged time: 2,44
